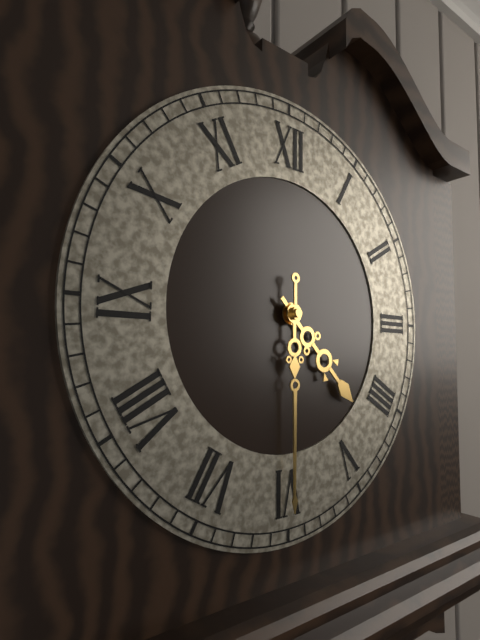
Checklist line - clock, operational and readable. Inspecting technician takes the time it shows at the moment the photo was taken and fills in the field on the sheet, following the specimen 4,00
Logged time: 4,30
